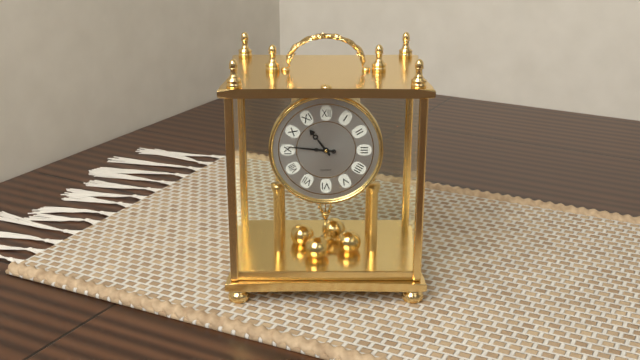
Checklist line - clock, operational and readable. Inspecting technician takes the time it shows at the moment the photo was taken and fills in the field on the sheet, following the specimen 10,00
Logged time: 10,46
